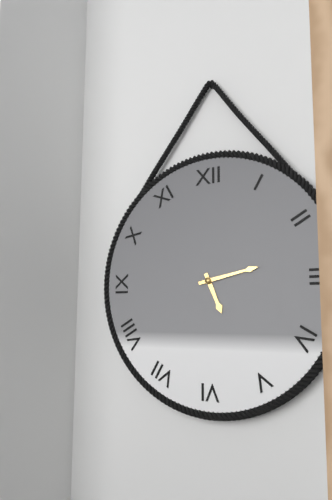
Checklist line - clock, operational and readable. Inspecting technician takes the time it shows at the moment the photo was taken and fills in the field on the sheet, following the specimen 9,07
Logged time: 5,13
